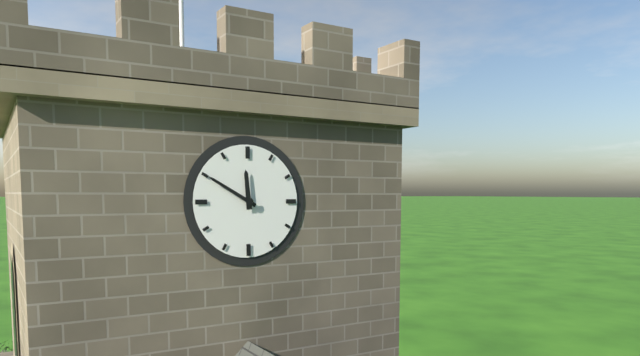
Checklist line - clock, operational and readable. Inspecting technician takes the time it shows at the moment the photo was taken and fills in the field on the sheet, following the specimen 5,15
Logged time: 11,50
